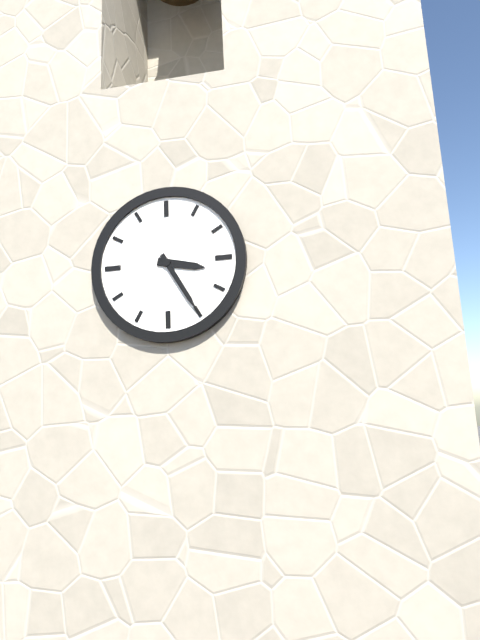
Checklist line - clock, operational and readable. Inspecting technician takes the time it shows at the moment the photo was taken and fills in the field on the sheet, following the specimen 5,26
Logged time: 3,25
